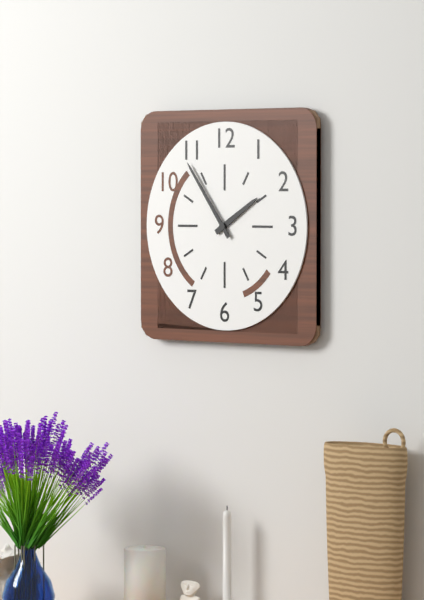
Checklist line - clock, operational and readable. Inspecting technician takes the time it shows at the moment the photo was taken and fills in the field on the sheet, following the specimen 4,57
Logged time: 1,54
